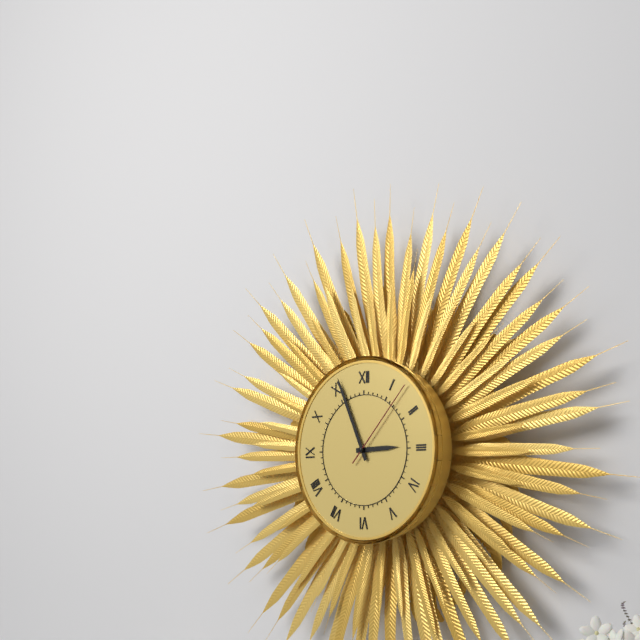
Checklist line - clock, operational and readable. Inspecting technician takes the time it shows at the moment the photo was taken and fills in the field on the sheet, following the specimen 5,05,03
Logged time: 2,56,07
